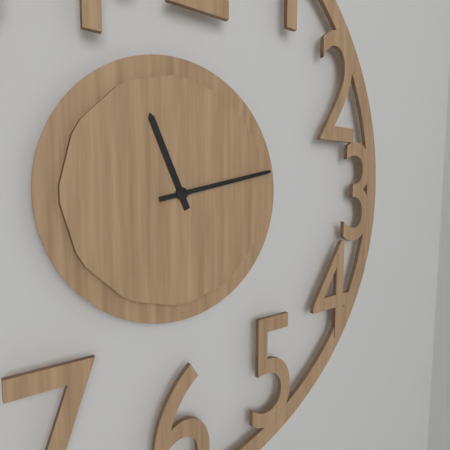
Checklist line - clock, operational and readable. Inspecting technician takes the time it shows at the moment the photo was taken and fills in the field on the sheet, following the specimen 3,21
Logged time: 11,13
